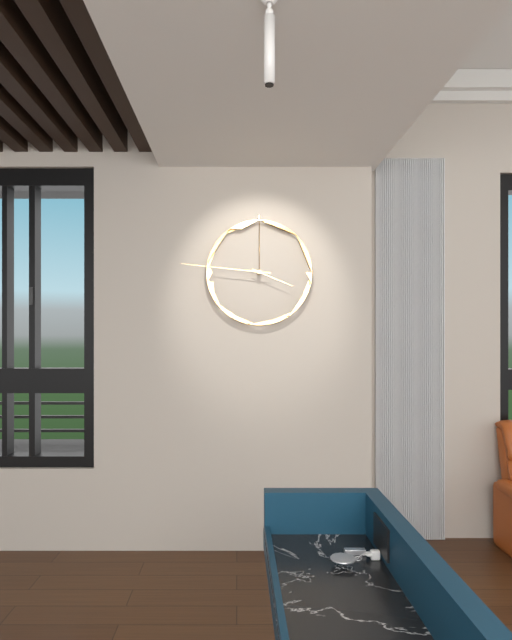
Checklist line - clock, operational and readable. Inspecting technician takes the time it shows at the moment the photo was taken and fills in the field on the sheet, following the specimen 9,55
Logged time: 3,46
